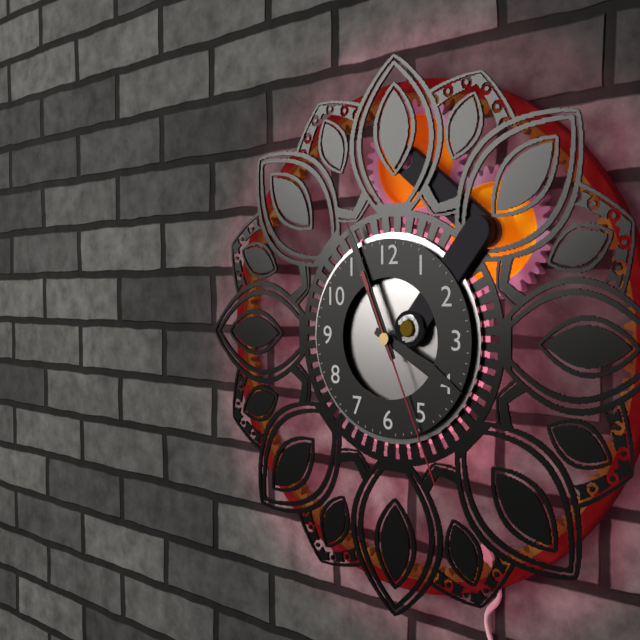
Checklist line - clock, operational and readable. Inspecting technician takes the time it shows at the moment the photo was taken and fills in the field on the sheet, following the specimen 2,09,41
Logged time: 3,56,26
